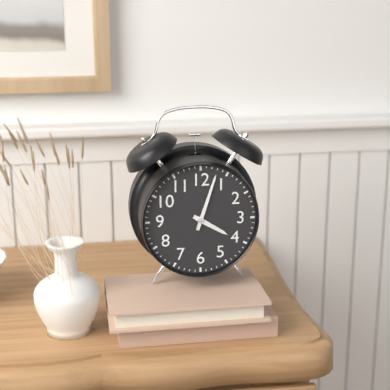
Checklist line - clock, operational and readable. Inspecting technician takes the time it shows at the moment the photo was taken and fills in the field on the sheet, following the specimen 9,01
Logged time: 4,03
